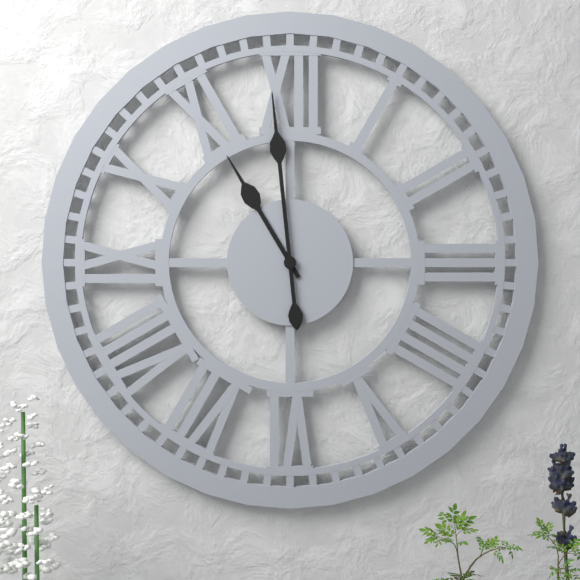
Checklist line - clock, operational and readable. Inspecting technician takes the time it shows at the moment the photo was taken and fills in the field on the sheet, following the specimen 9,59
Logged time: 10,59
